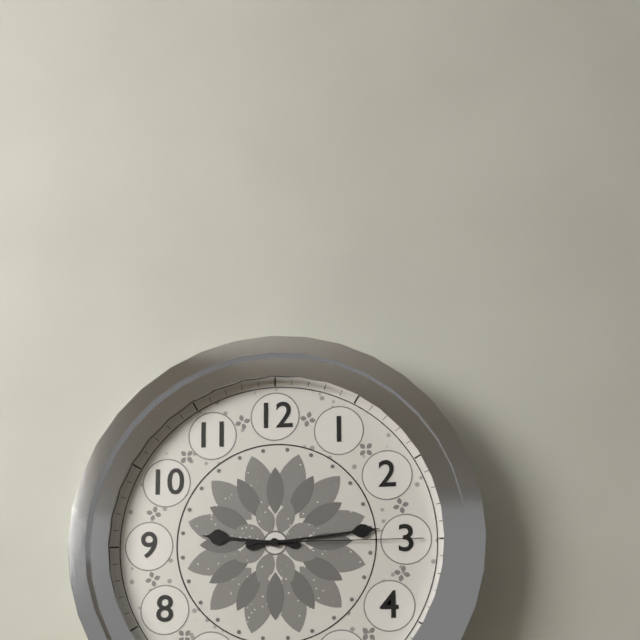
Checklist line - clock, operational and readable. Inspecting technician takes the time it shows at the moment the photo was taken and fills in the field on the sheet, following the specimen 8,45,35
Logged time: 9,14,15
